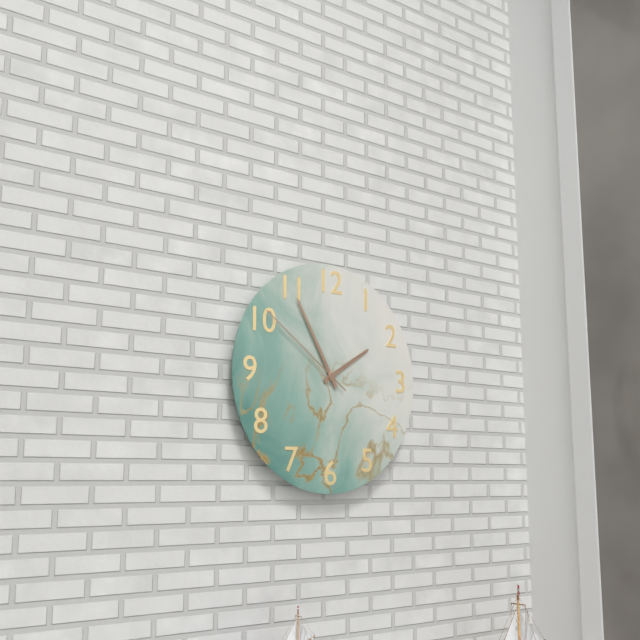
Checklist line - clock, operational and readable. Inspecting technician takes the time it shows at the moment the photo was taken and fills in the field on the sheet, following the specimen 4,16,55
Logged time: 1,55,51
